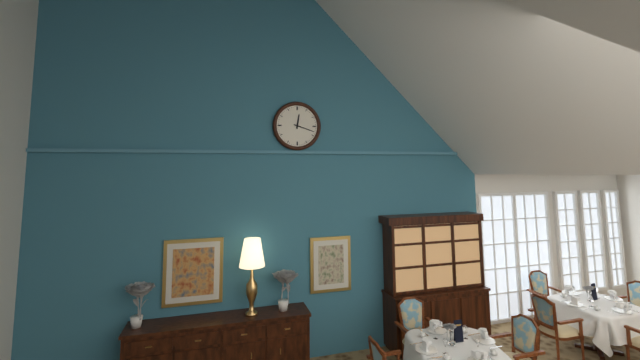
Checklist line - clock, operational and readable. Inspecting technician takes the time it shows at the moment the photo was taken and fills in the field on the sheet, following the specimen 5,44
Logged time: 12,18
